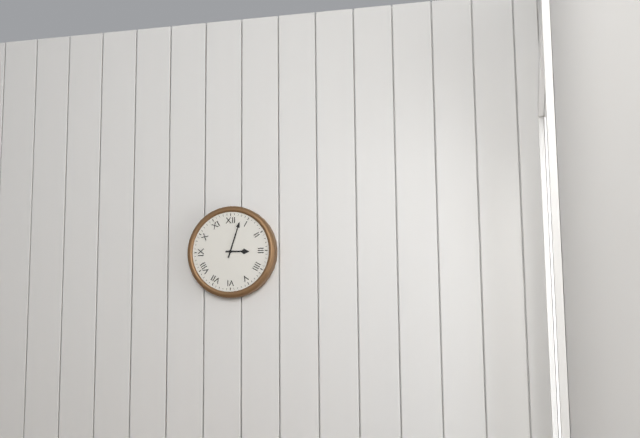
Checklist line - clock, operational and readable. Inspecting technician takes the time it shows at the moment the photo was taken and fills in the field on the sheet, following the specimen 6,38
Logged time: 3,03
